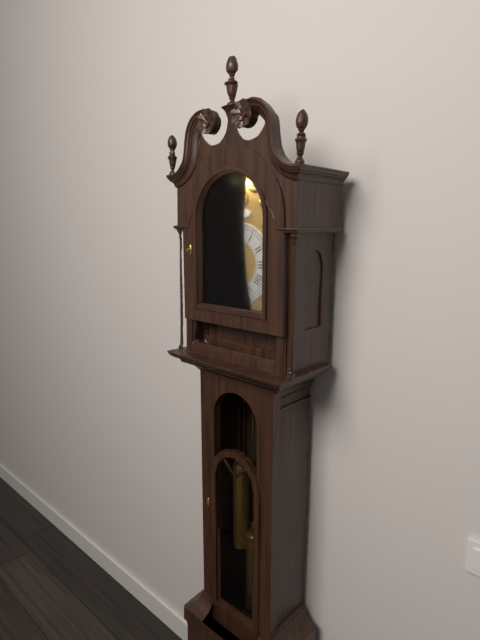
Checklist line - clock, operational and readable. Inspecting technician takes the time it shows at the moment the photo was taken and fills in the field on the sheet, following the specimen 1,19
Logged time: 7,56
